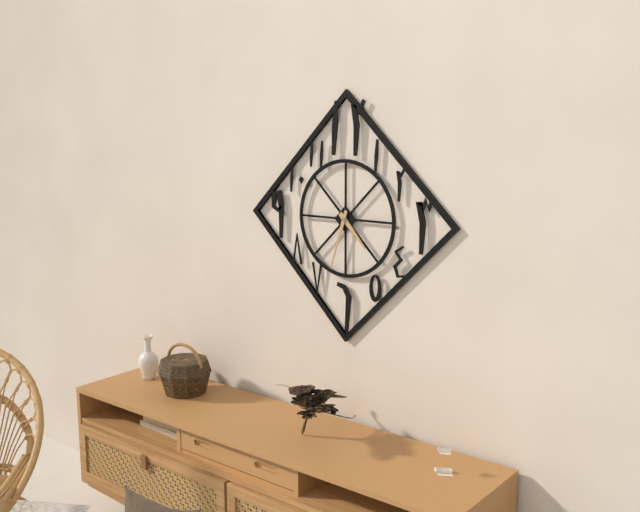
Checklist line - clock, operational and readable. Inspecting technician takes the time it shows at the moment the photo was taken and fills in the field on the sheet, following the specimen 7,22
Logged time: 4,33
